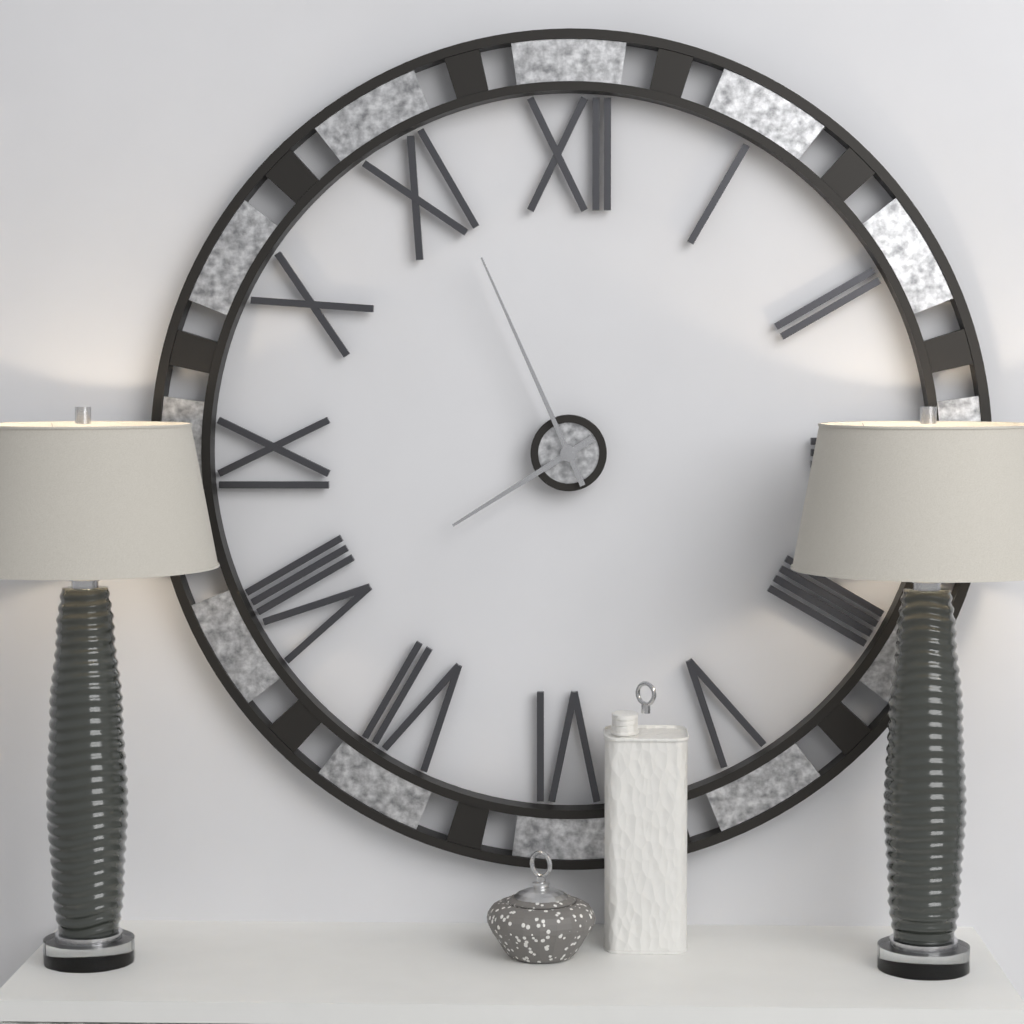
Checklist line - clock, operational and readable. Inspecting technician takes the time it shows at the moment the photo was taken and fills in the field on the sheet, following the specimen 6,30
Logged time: 7,56
